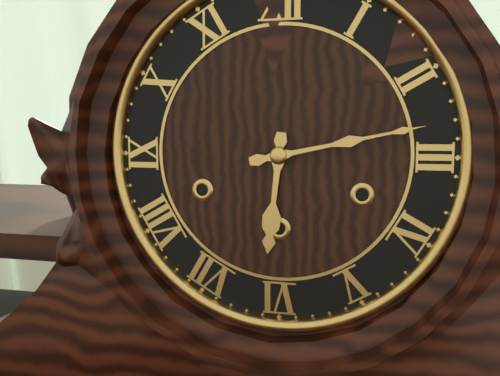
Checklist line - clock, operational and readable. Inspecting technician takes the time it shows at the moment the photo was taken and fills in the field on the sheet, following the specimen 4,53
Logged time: 6,13
